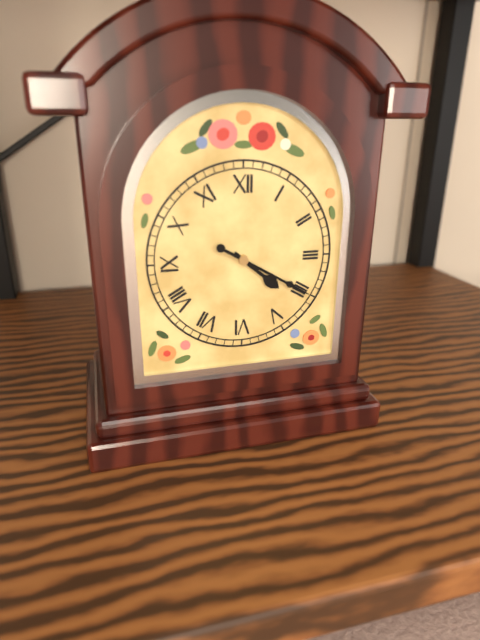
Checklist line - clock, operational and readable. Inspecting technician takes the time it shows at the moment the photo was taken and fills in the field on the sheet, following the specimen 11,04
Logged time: 4,20
